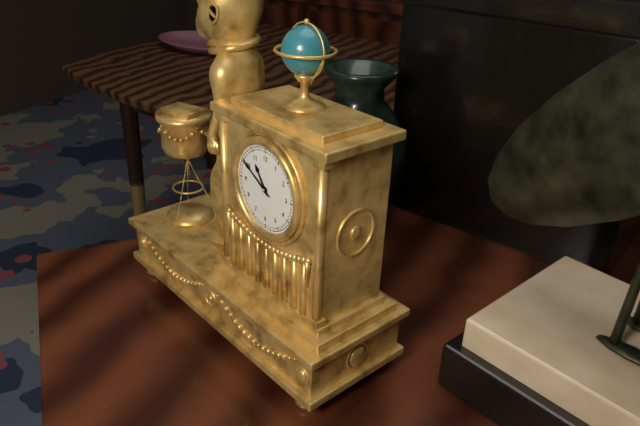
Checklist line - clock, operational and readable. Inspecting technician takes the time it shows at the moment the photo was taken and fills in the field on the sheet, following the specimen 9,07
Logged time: 10,50
